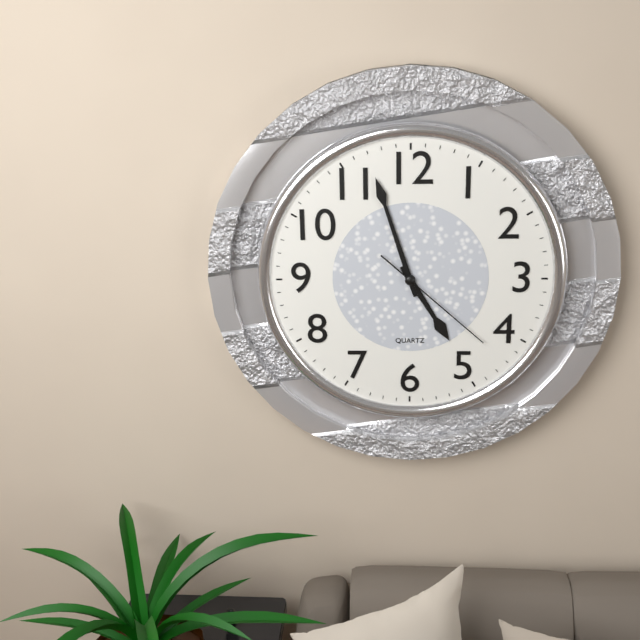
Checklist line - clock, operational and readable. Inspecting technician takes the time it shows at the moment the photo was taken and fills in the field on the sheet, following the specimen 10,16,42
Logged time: 4,57,22
